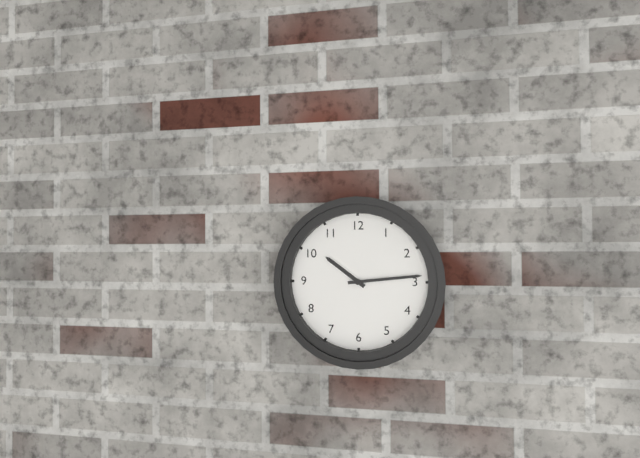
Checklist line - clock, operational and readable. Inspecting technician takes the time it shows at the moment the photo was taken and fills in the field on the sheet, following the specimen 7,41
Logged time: 10,14
